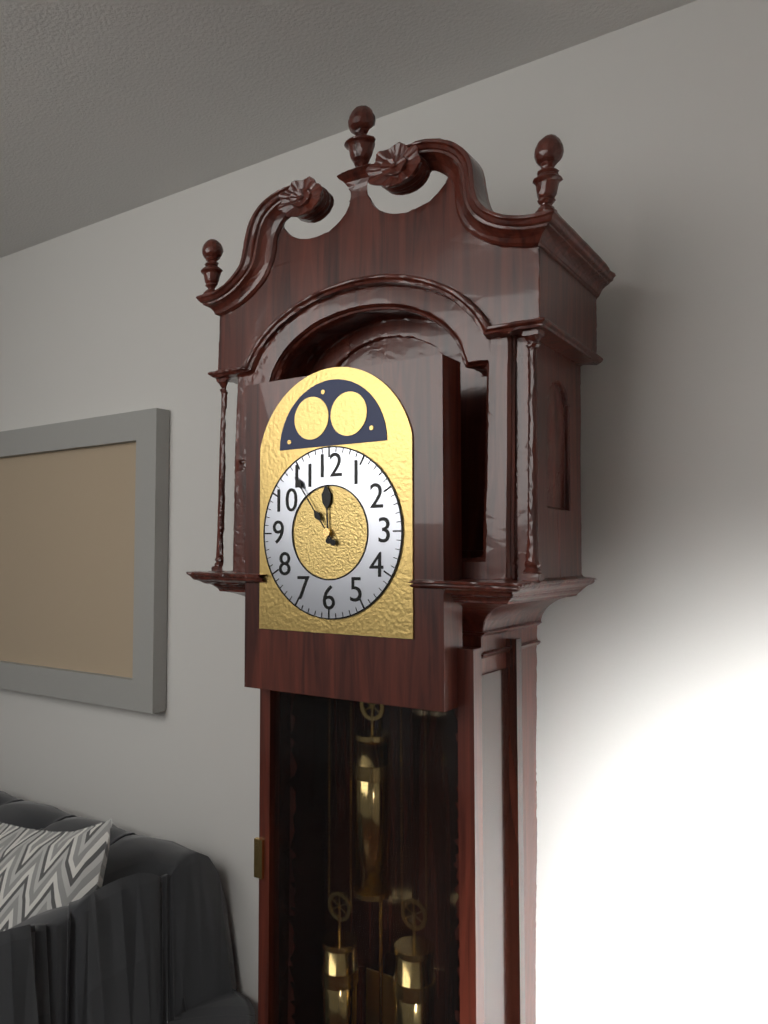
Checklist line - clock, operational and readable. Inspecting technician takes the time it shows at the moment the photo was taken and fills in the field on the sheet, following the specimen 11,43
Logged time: 11,54
